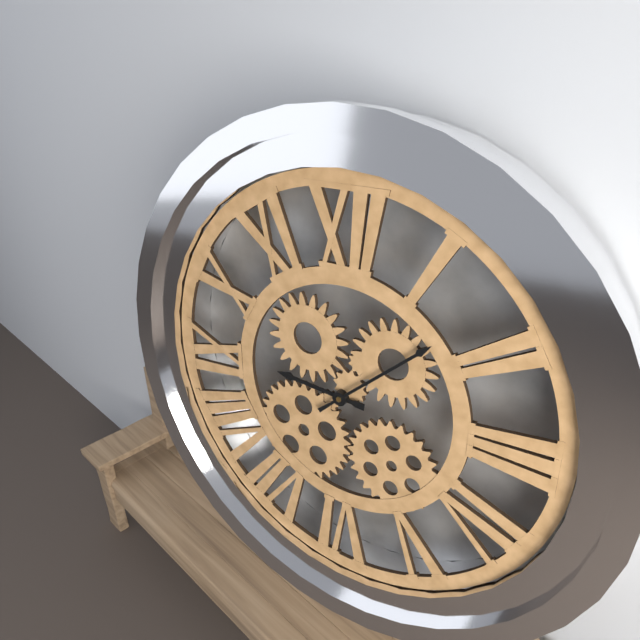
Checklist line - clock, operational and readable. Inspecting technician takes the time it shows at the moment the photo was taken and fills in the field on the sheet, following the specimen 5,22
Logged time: 9,08
